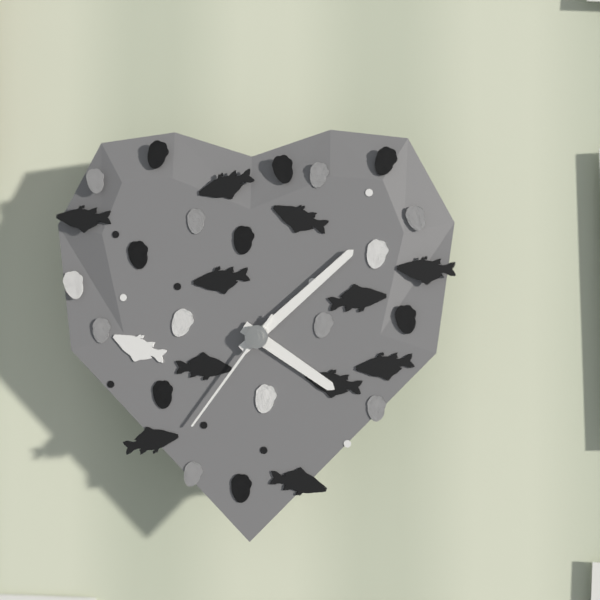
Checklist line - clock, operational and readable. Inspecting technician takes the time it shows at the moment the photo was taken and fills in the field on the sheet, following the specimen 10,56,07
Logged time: 4,08,36
